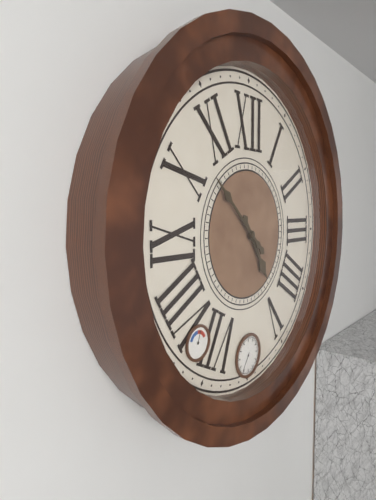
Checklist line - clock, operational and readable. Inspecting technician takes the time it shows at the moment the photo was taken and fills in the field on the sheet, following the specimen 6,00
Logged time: 4,52
